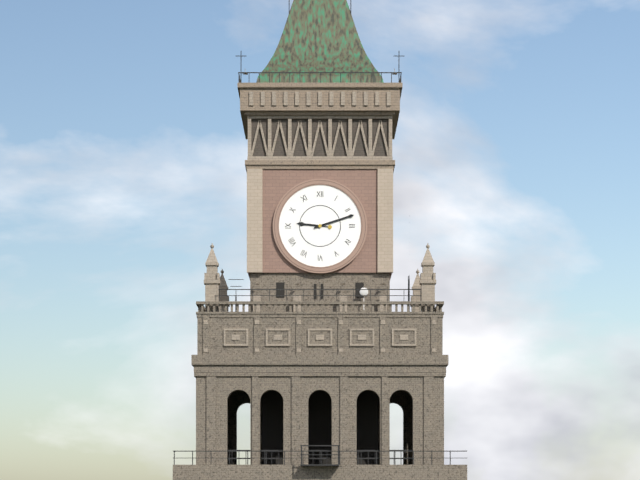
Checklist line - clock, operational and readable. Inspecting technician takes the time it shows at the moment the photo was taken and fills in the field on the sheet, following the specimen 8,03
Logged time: 9,12
